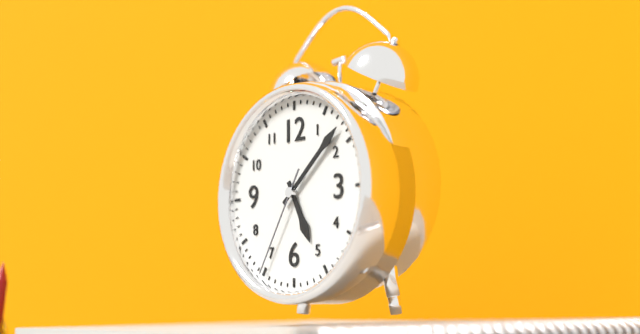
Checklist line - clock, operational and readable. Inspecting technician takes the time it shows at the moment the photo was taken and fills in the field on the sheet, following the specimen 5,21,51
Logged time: 5,08,35
